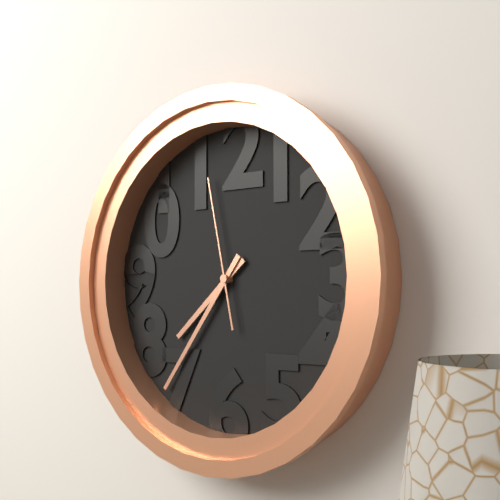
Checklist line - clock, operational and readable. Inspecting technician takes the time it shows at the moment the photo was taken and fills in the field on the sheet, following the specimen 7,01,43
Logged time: 7,36,58
